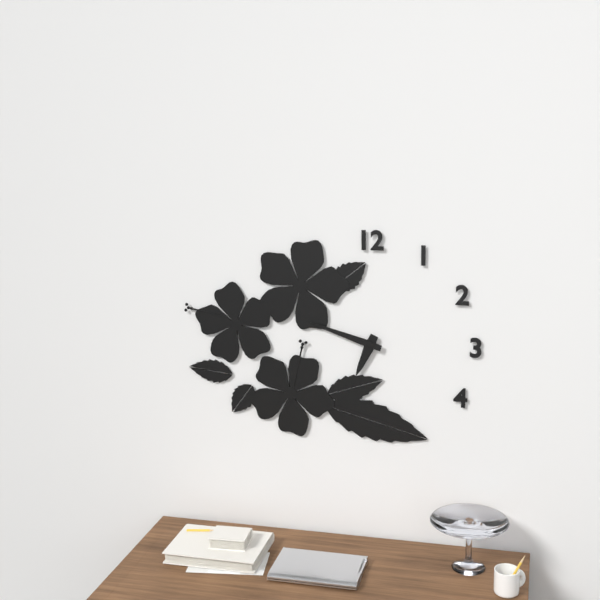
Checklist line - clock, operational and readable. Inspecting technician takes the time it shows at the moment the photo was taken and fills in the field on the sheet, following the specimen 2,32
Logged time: 6,48
